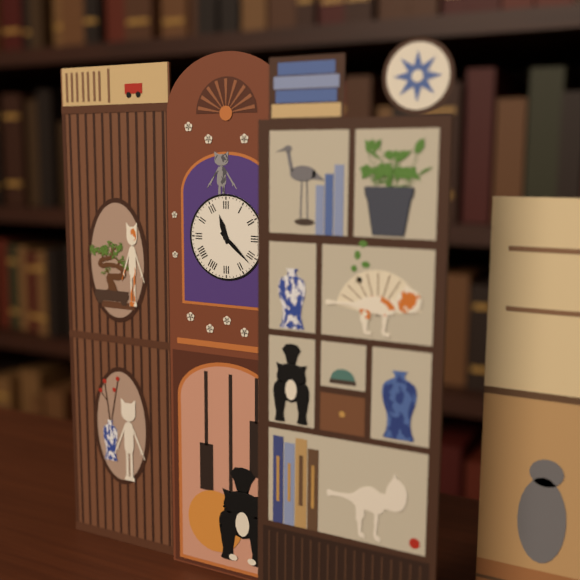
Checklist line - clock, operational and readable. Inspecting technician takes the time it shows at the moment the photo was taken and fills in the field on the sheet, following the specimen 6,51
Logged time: 11,22
